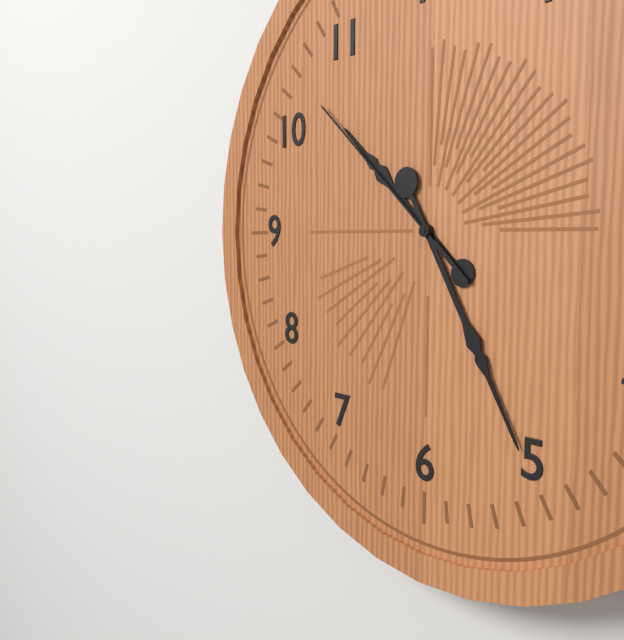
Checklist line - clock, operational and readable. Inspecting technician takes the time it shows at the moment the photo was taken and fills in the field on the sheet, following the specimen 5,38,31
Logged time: 10,25,52
